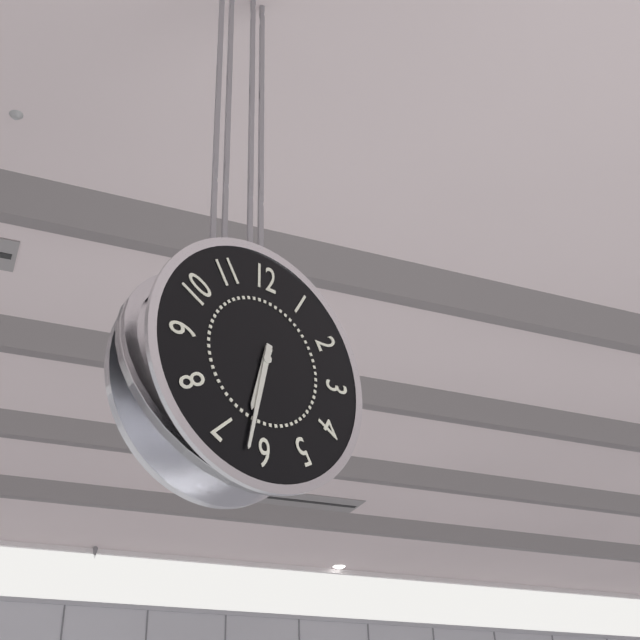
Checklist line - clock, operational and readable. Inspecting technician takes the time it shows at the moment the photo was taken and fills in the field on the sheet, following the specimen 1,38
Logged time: 6,32
